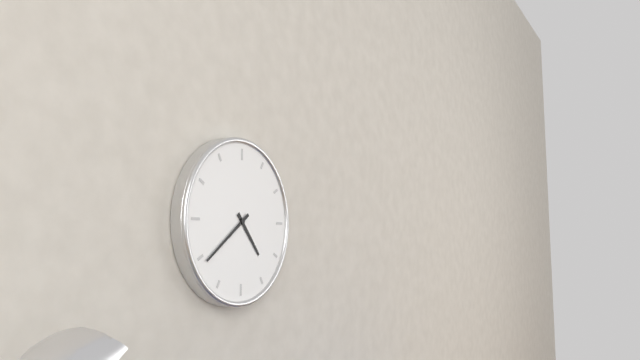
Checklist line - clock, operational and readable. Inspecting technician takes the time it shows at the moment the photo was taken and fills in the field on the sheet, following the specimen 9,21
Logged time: 4,39
